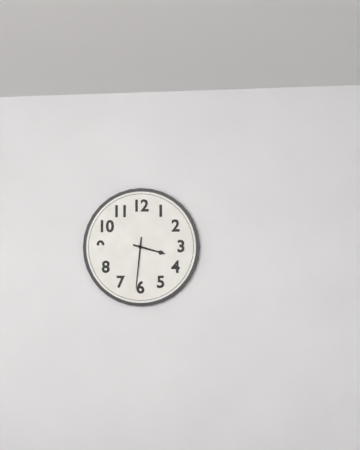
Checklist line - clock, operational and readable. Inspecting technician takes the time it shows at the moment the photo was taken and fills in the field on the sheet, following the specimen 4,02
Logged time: 3,31
